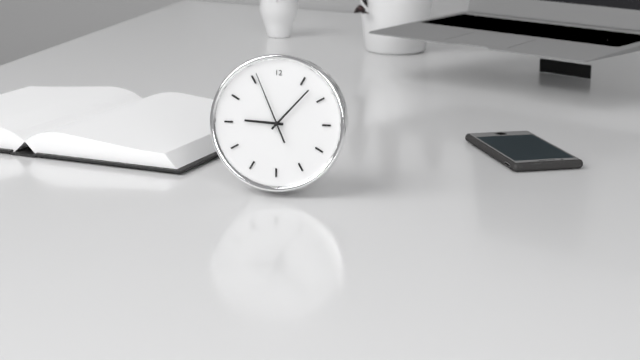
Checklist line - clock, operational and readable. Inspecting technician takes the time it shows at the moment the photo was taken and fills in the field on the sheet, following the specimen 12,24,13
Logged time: 9,07,56
